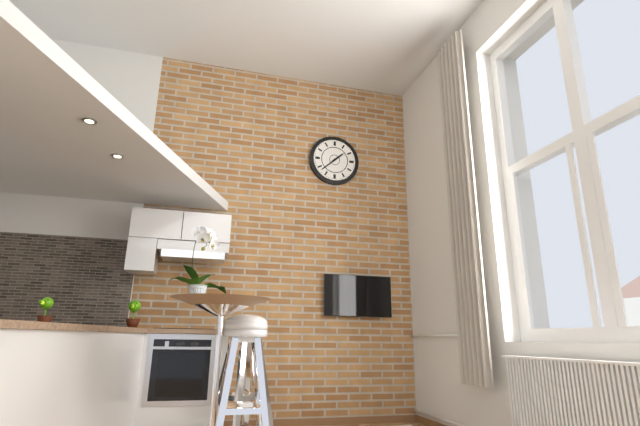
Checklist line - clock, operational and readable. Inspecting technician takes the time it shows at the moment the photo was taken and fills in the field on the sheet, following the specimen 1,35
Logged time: 1,38
